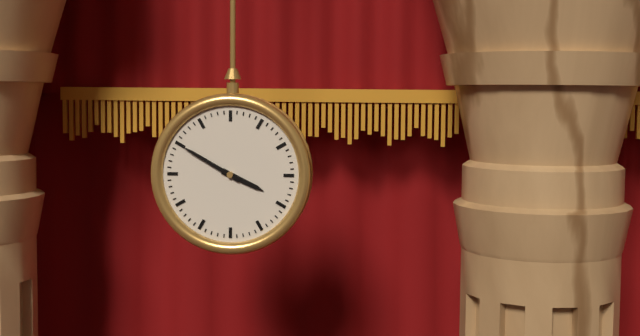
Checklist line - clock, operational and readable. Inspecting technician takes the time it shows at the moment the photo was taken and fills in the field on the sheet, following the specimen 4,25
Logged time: 3,50
